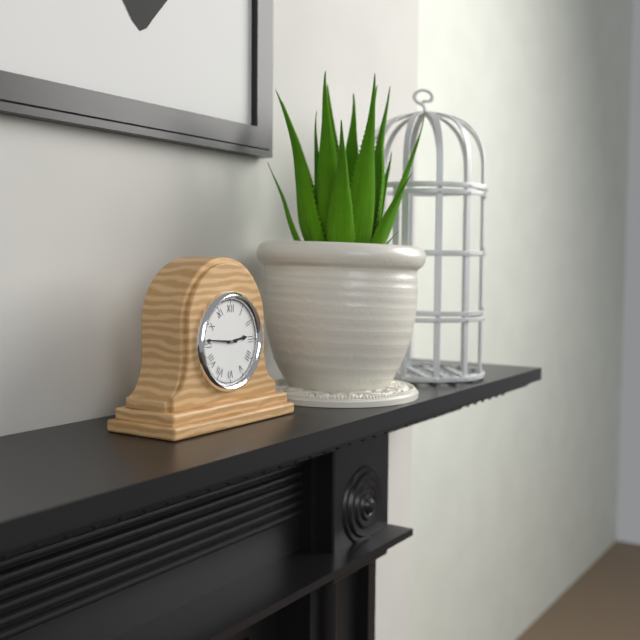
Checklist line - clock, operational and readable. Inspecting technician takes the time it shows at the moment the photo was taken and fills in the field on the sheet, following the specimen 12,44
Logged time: 2,46
